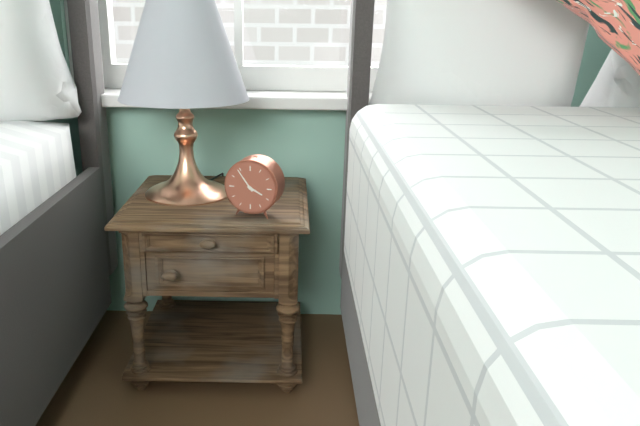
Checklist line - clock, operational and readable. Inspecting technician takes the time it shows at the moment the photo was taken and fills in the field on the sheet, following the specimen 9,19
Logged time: 3,54
